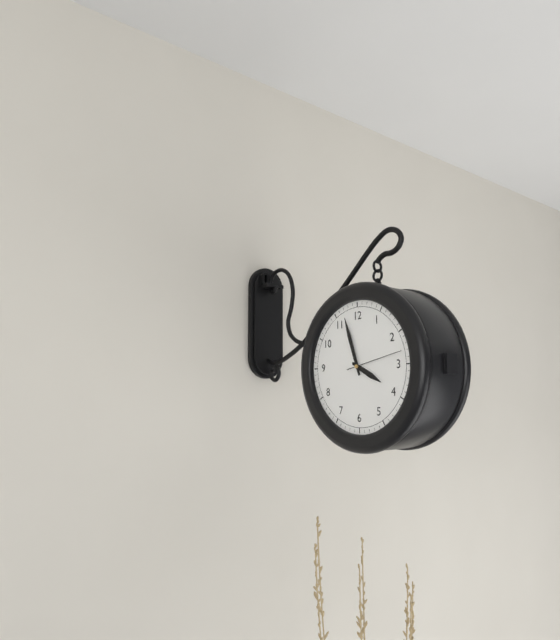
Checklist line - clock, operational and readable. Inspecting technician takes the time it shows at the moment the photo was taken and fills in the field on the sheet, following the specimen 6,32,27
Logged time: 3,57,13
